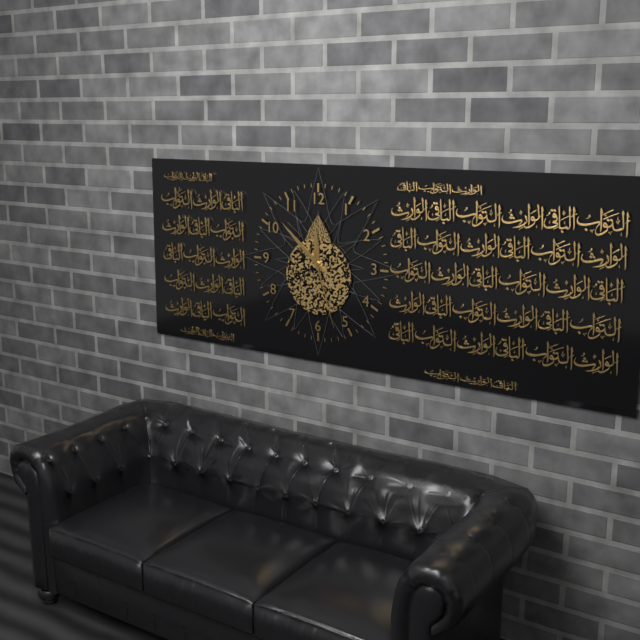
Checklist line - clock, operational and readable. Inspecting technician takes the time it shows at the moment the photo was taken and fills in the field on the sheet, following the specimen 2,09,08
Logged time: 11,52,27
